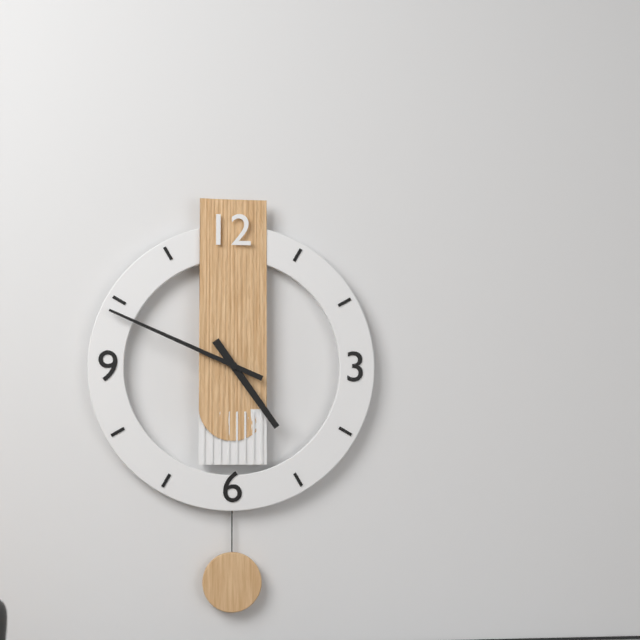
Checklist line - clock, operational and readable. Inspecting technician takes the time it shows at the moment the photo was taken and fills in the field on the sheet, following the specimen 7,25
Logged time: 4,49
